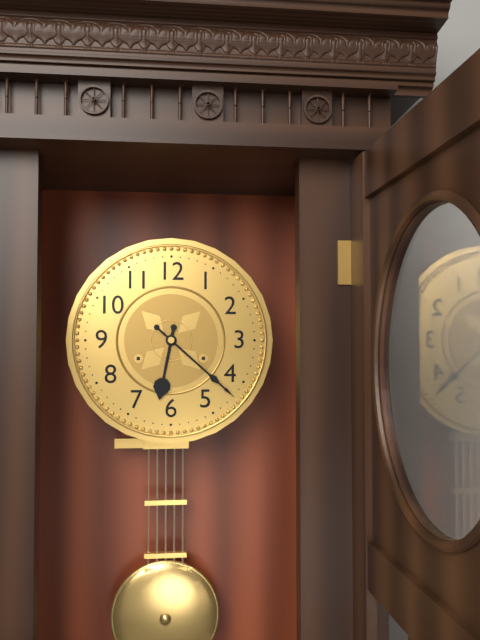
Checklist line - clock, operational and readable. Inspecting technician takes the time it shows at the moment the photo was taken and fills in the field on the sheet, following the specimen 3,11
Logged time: 6,22
